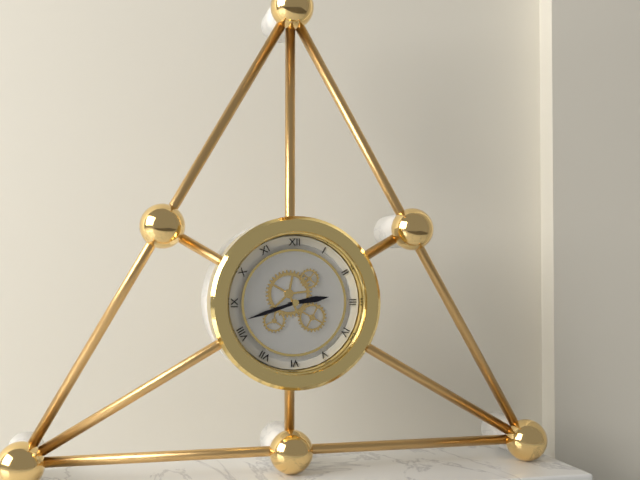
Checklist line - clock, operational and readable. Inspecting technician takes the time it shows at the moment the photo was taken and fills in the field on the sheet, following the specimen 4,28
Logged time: 2,42
